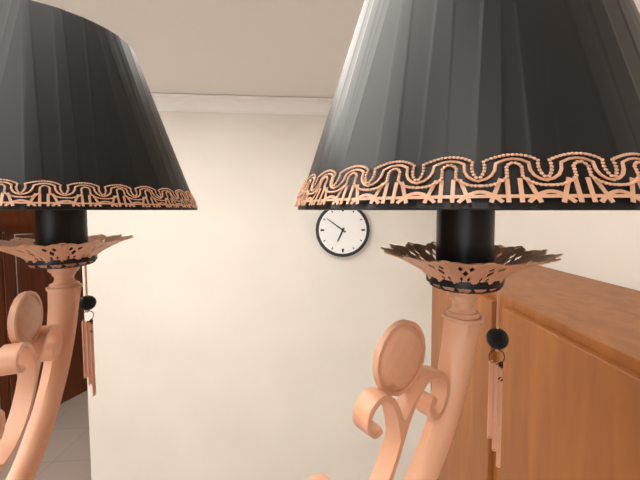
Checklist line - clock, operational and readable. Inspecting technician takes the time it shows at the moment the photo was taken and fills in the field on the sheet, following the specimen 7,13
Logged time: 6,51
